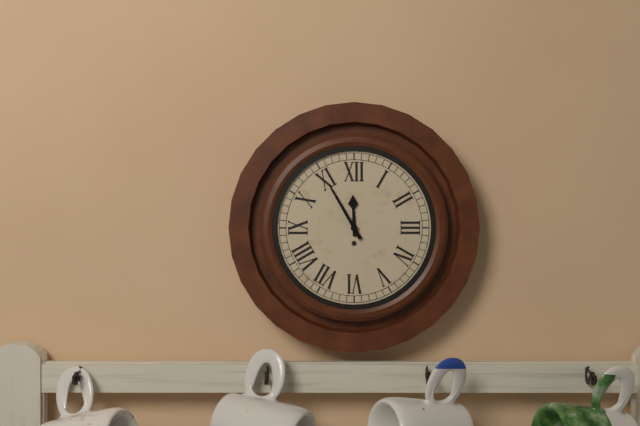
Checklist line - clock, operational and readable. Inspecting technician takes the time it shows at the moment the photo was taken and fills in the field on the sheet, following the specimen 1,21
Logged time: 11,55
